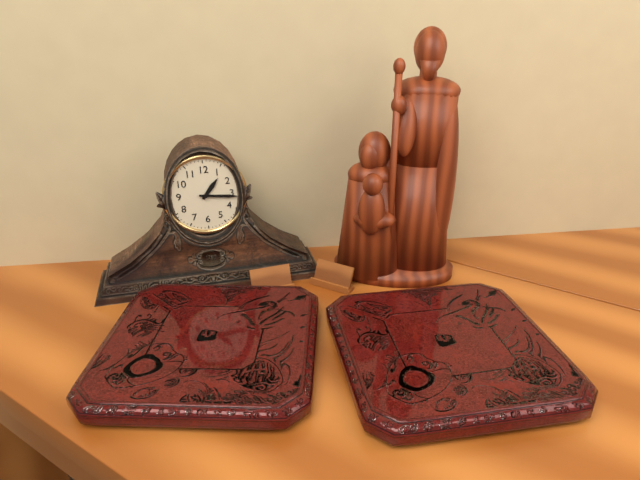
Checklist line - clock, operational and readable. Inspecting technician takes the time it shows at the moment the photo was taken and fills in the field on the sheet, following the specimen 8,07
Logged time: 1,16
